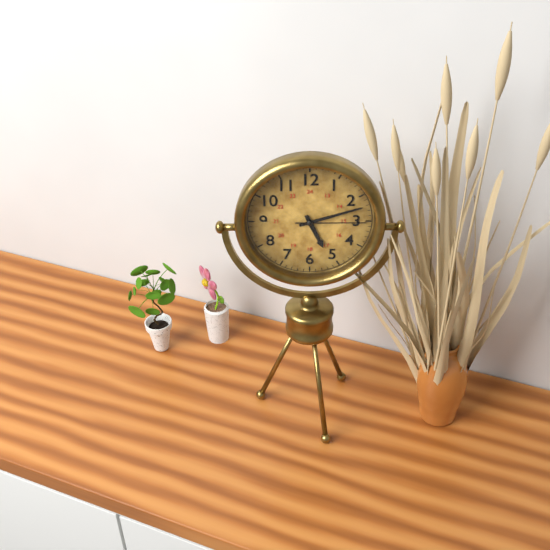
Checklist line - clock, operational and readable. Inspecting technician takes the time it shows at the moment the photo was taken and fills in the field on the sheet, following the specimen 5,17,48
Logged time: 5,12,15
